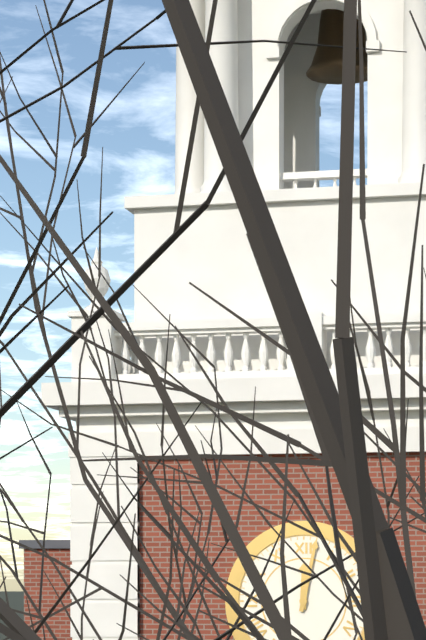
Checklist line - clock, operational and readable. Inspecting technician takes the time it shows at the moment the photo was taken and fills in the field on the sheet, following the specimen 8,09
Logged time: 12,02
